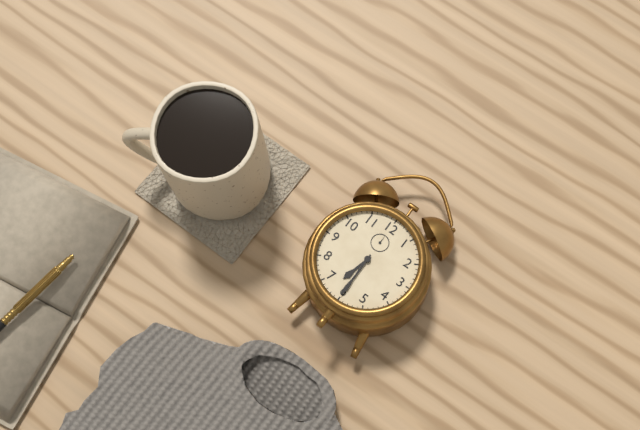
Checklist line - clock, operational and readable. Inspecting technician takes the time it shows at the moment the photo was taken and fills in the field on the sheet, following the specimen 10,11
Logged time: 6,30
